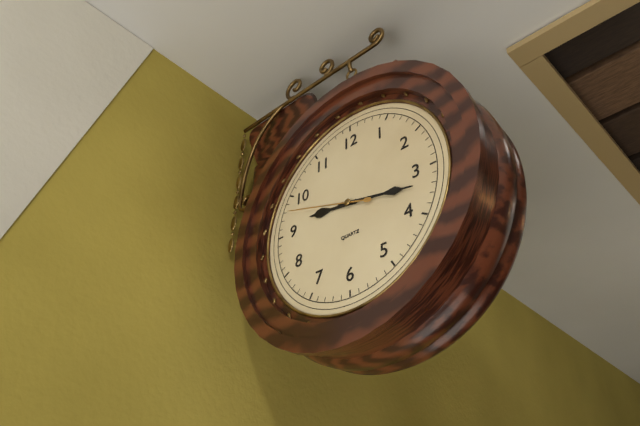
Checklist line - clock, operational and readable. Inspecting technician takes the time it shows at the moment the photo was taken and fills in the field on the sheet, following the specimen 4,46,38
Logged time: 9,17,48
